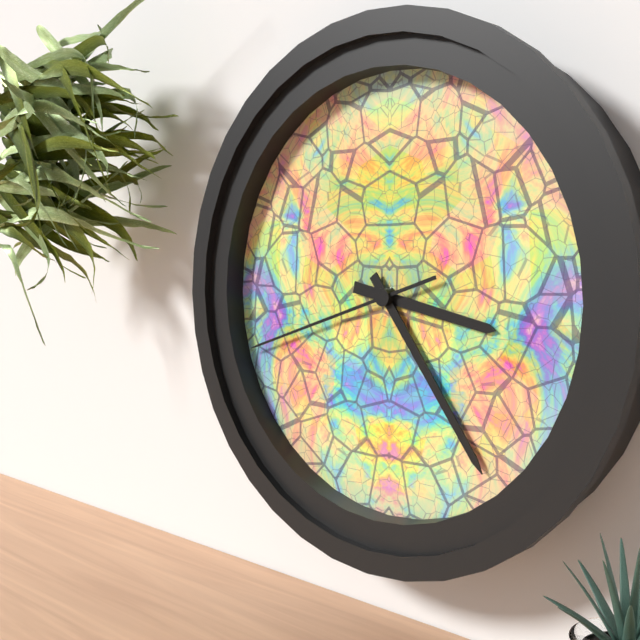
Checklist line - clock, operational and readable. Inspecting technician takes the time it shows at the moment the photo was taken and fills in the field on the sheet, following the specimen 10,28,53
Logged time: 3,24,42
